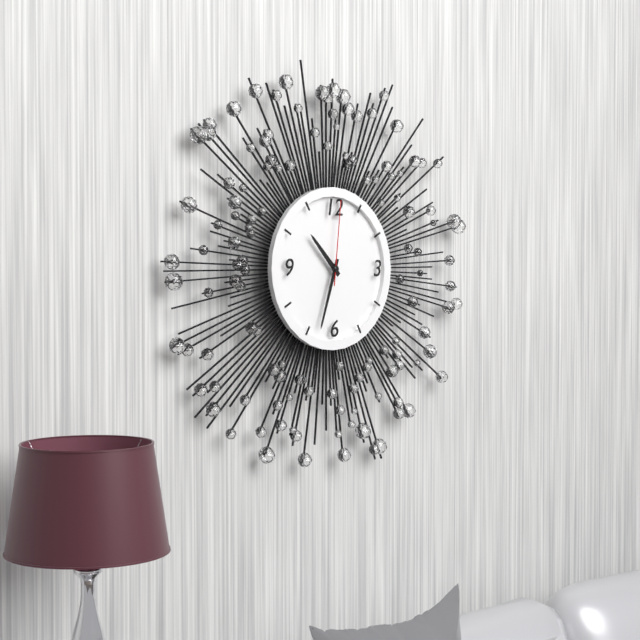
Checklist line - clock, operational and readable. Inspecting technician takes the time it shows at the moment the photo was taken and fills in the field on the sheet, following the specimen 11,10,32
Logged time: 10,33,01
